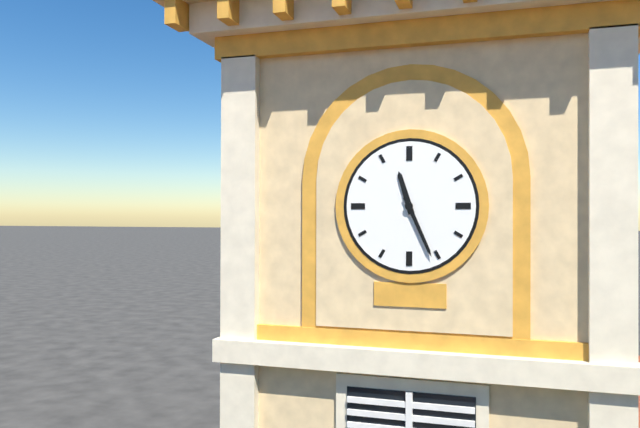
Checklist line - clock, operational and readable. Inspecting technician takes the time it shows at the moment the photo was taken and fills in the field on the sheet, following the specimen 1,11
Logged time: 11,26
